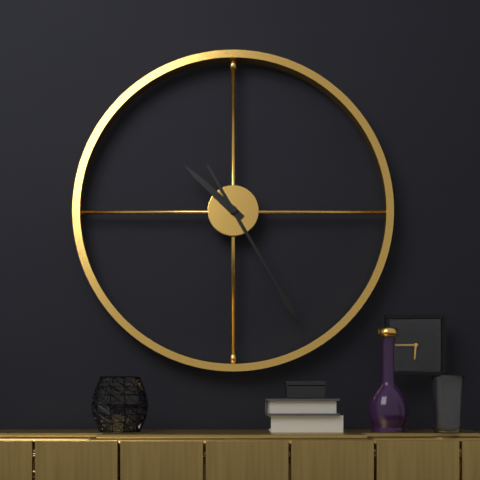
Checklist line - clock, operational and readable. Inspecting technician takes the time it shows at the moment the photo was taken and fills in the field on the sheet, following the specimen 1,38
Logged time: 10,25
